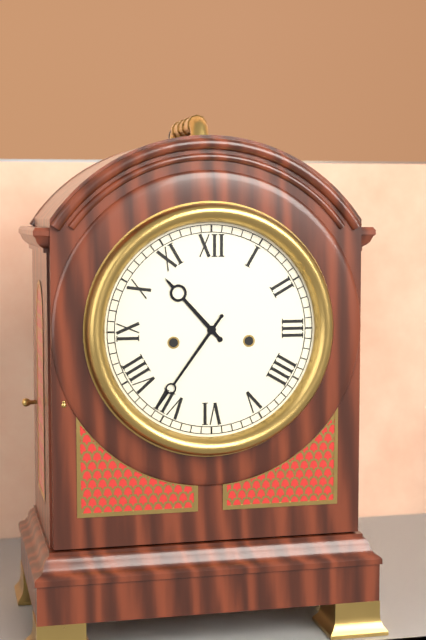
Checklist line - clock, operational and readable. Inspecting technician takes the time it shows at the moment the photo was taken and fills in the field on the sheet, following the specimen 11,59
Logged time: 10,36
